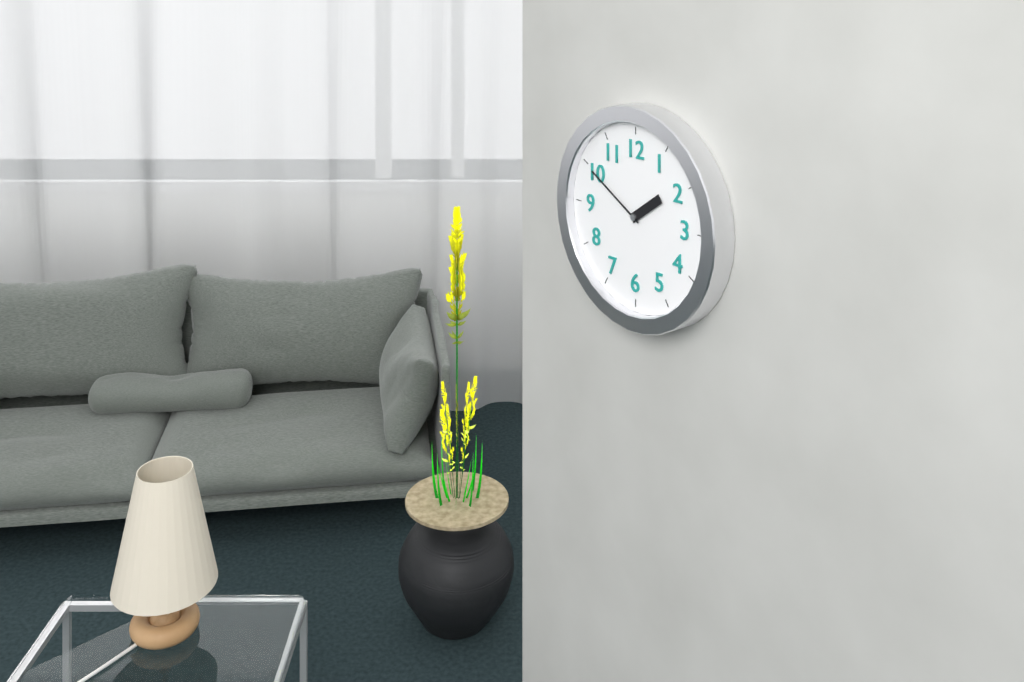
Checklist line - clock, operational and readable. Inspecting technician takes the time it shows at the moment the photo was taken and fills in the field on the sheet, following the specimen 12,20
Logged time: 1,50
